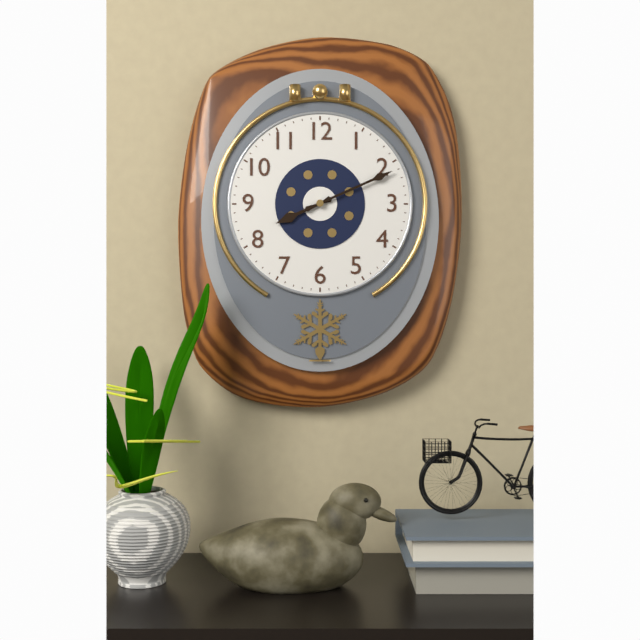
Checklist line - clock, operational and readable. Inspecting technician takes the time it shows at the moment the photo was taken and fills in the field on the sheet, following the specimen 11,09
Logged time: 8,11
